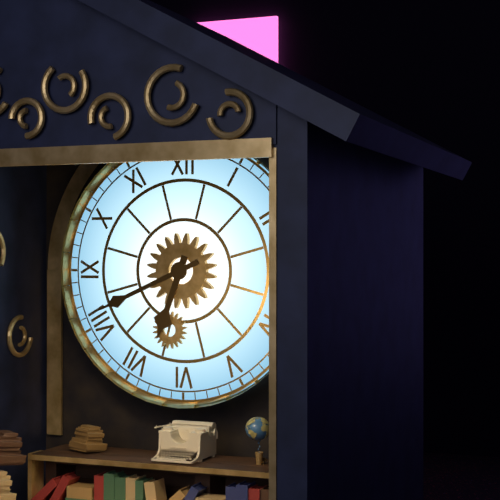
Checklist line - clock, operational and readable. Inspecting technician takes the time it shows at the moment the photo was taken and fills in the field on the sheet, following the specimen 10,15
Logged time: 6,41
